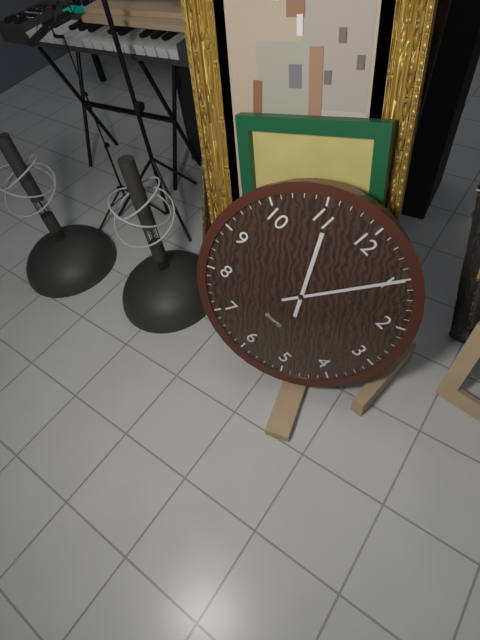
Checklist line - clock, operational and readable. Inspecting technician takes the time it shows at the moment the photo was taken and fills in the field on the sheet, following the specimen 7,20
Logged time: 11,05
